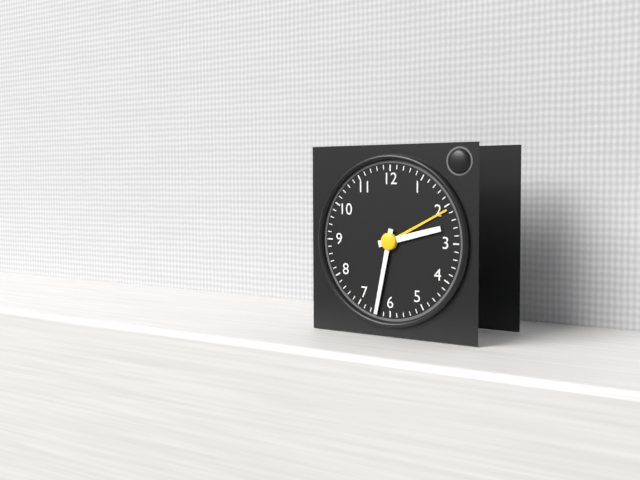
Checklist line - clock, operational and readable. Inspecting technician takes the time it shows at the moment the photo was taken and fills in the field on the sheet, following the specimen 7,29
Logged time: 2,32
